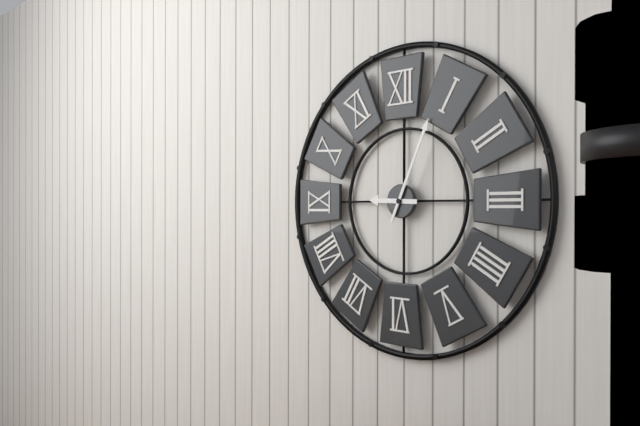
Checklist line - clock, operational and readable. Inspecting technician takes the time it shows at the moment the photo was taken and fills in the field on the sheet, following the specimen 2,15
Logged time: 9,04
